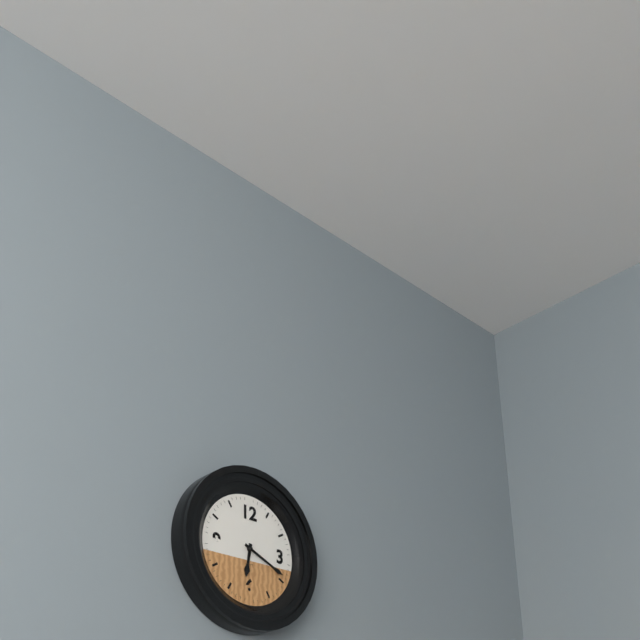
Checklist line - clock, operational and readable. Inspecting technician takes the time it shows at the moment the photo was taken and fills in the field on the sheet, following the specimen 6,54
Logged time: 6,19
